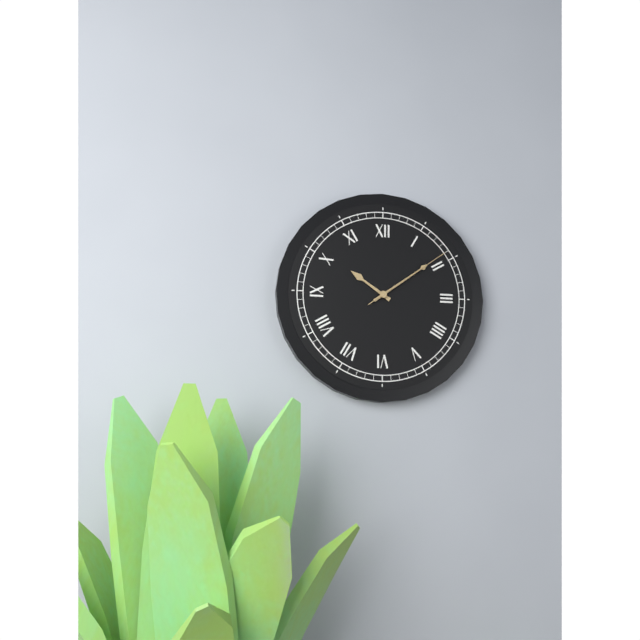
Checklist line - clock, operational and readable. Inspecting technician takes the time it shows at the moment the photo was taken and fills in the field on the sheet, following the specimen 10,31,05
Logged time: 10,09,09
